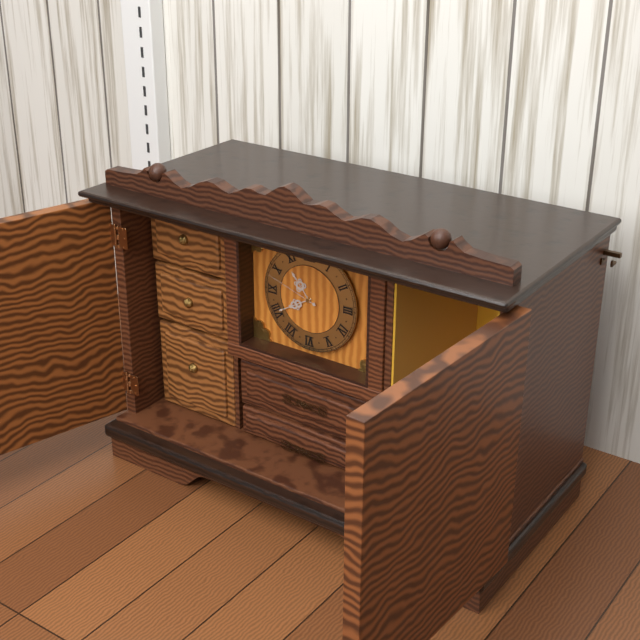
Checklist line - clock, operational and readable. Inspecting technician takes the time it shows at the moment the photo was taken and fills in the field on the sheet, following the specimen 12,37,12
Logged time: 10,40,48
